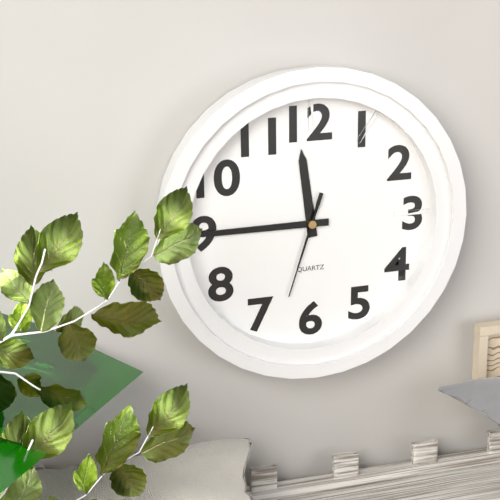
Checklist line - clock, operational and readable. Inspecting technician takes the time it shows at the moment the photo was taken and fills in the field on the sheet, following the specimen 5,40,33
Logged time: 11,45,33
